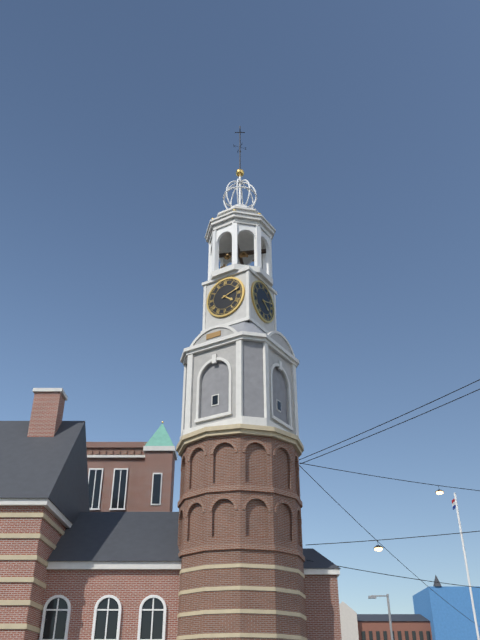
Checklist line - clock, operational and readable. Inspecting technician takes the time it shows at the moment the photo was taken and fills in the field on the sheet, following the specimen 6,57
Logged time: 4,12
